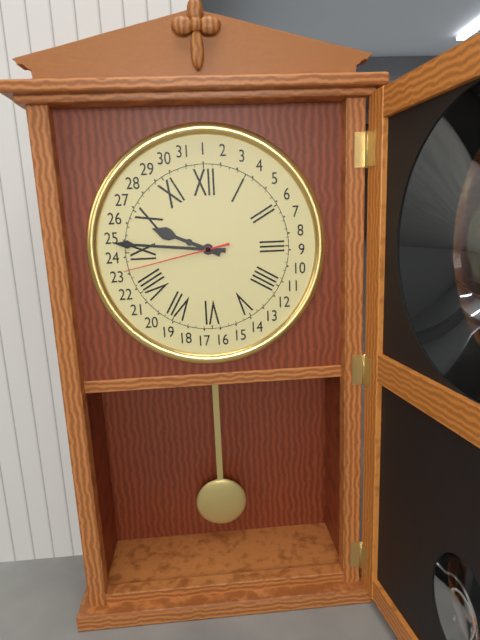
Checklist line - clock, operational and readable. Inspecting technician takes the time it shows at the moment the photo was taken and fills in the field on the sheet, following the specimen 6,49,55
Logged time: 9,46,43
